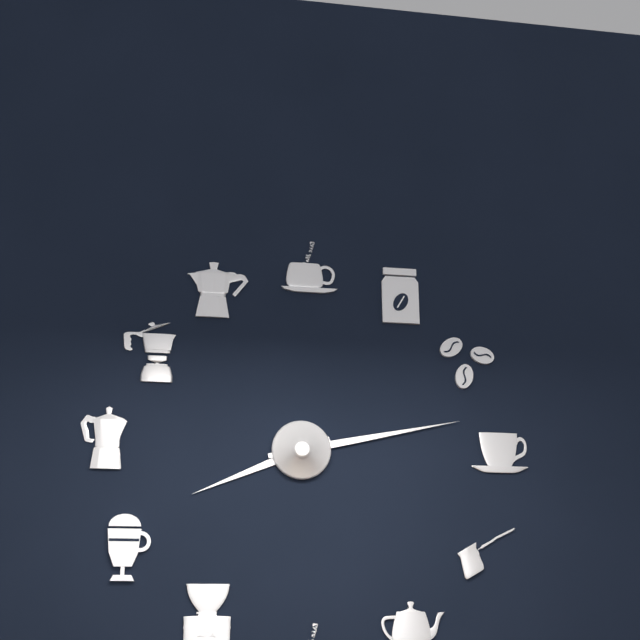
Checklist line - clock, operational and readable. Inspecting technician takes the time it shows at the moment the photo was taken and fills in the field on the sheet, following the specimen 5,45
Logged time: 8,13
